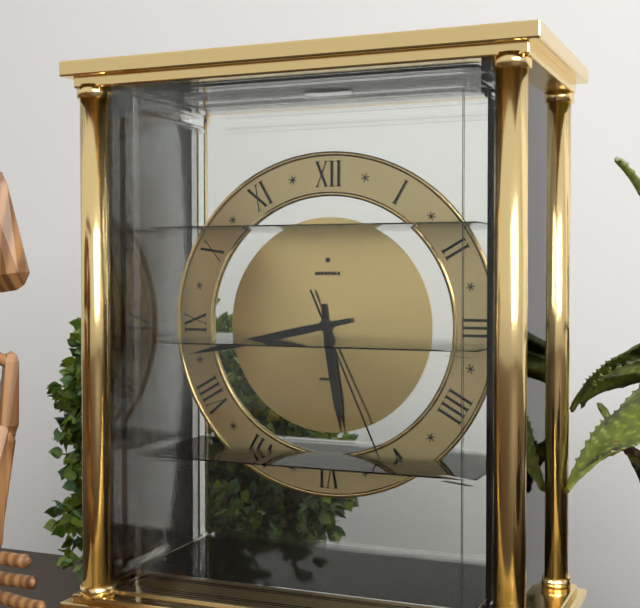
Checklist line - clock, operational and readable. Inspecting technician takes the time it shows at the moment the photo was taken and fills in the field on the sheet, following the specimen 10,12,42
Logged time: 5,43,26
